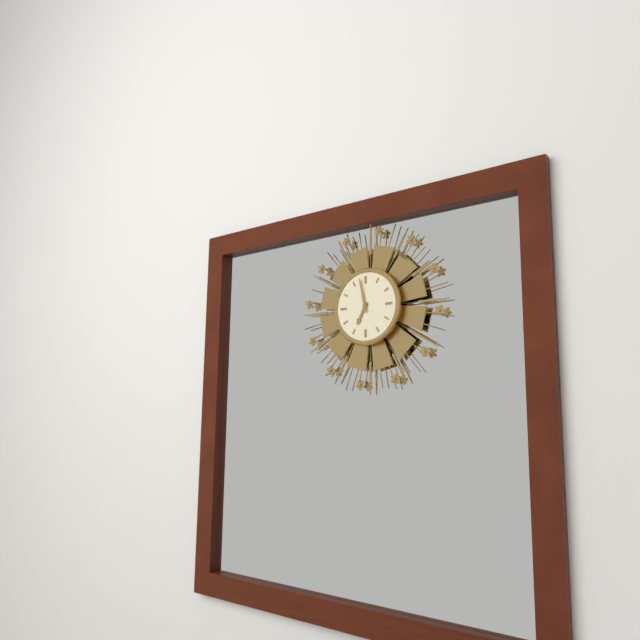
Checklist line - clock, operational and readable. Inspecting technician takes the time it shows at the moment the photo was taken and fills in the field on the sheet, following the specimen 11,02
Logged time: 6,58
